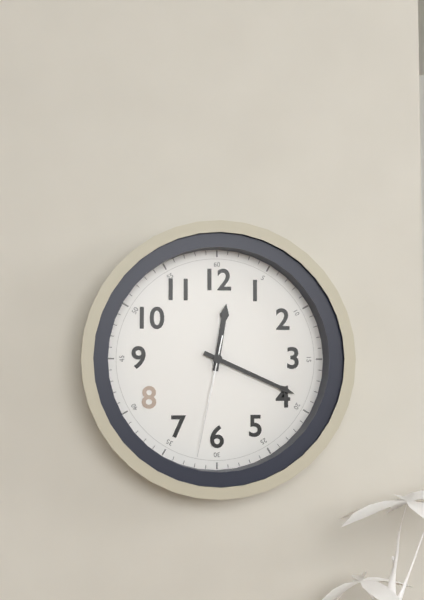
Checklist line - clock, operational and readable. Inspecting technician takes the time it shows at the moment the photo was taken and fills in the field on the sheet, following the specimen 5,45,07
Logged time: 12,19,32
